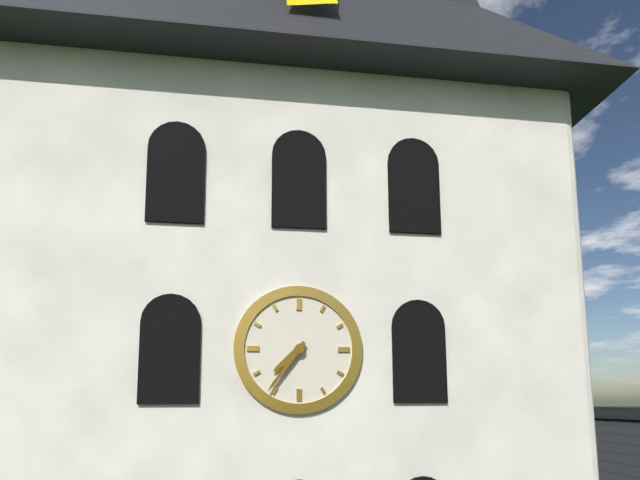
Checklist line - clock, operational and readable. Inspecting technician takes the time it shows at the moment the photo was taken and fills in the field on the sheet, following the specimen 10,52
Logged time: 7,36
